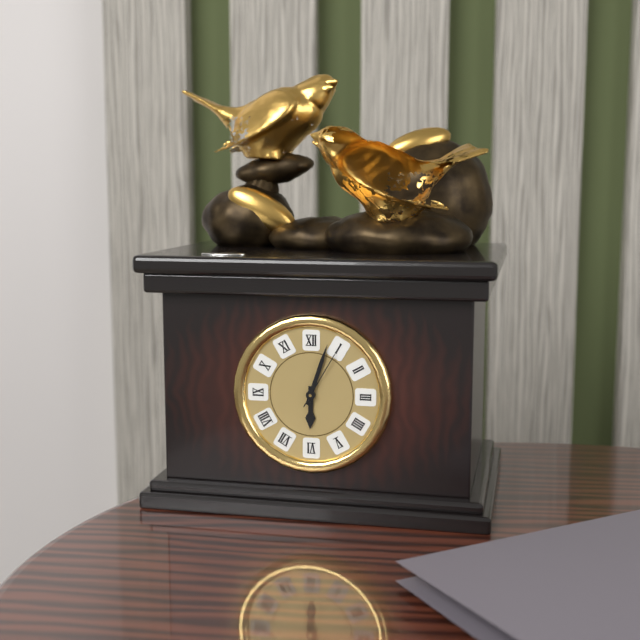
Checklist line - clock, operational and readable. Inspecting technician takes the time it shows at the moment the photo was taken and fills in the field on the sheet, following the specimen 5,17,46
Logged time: 6,03,05
